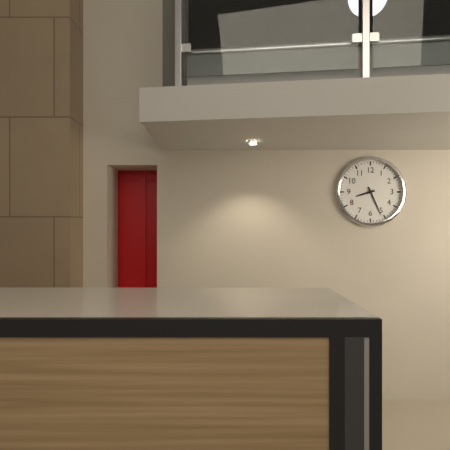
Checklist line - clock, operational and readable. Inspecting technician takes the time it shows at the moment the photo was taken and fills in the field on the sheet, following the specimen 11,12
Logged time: 8,26
